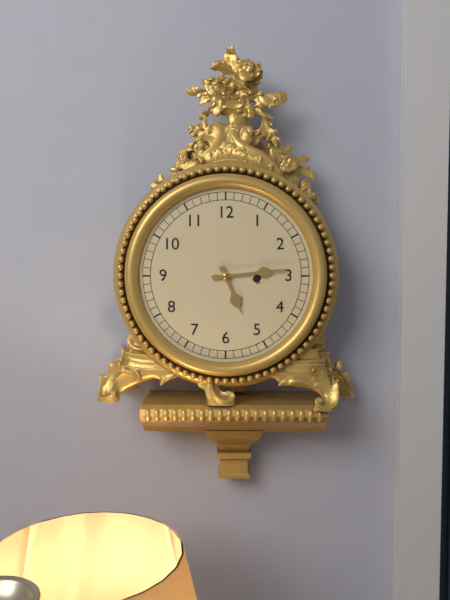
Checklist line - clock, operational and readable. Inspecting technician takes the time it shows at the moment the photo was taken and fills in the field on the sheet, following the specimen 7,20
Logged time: 5,14
